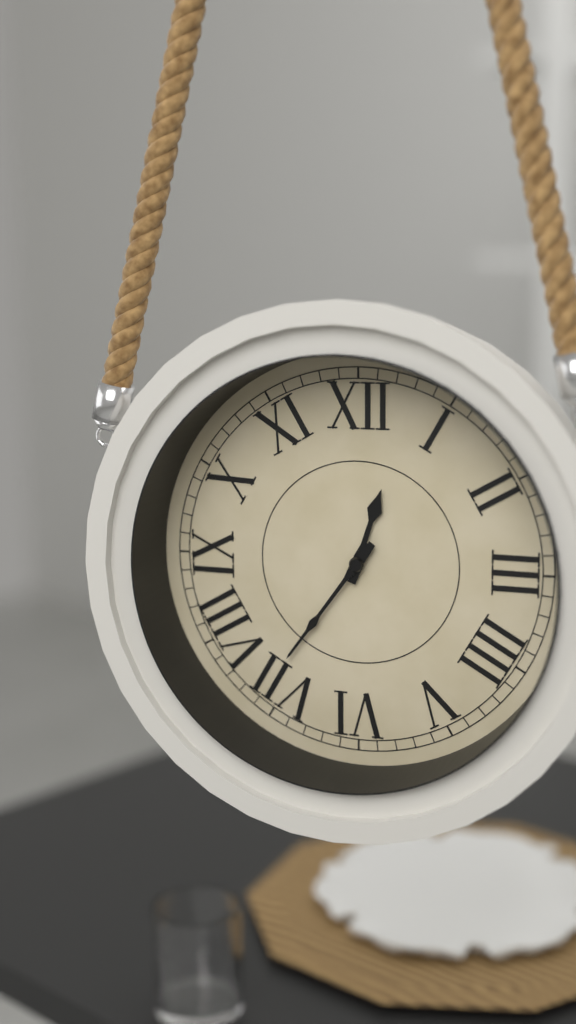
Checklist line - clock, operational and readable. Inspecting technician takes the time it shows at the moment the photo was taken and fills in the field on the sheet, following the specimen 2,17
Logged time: 12,36
